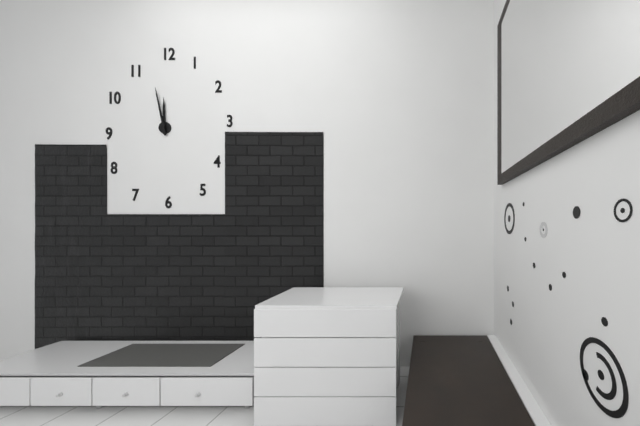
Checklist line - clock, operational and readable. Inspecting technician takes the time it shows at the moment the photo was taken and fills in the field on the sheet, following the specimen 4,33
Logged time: 11,58
